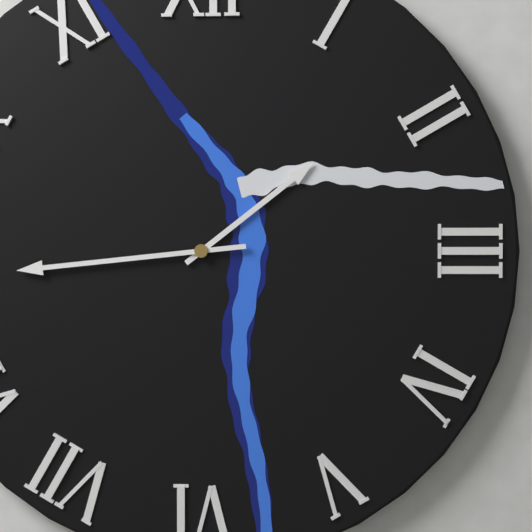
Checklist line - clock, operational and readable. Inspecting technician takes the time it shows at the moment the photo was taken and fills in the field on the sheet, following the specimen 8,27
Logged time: 1,44
